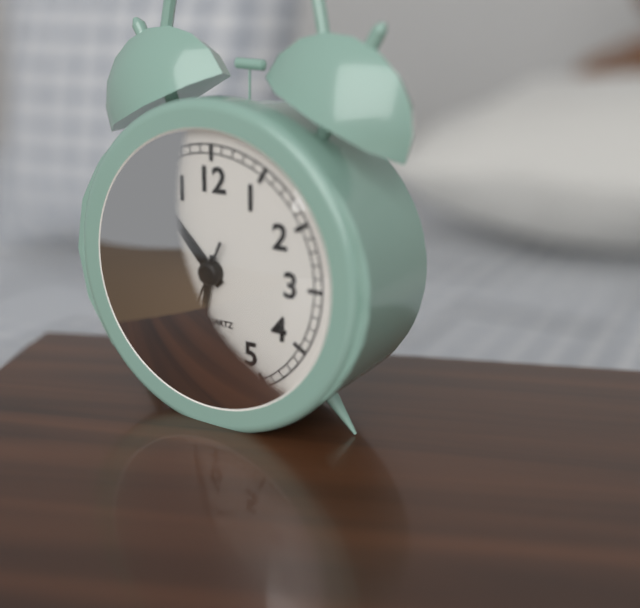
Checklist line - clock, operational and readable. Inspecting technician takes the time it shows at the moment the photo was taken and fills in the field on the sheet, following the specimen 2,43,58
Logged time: 10,32,34
